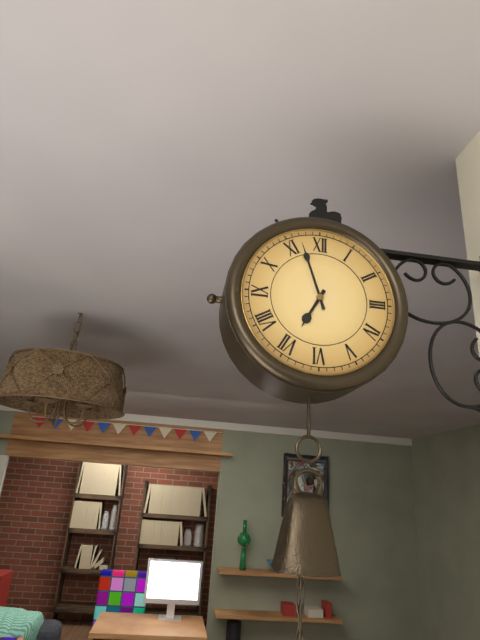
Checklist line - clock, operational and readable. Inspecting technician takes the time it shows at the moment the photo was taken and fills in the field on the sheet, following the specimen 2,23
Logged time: 6,57
